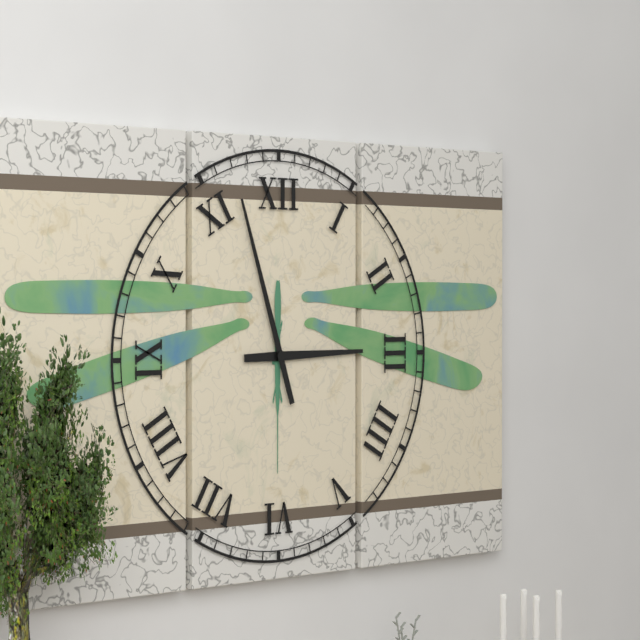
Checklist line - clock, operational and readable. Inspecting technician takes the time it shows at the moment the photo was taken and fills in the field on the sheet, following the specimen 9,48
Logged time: 2,57
